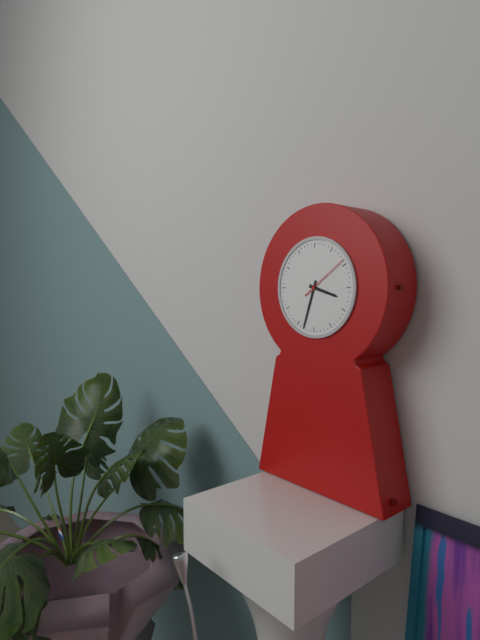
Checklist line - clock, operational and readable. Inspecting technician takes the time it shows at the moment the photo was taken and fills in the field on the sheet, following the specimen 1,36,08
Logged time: 3,33,09
